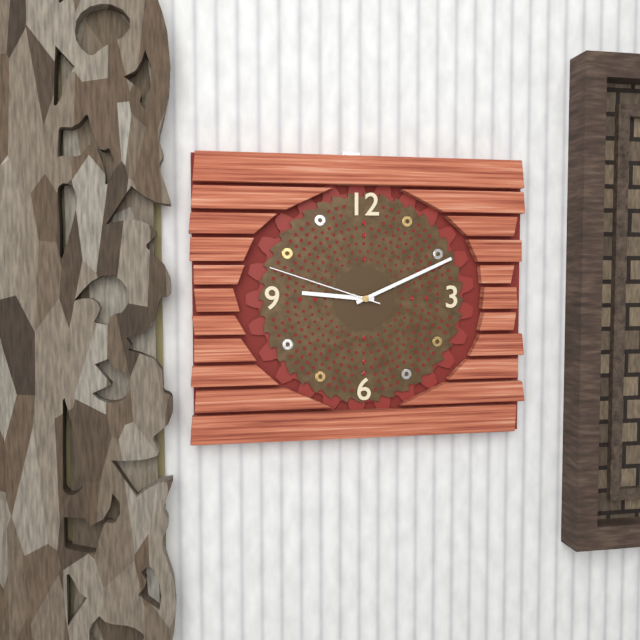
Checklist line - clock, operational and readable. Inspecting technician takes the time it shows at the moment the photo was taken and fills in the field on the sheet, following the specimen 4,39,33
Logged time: 9,11,48
